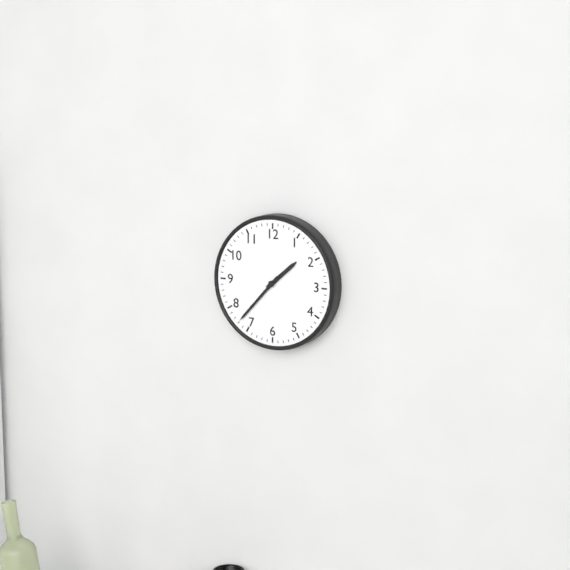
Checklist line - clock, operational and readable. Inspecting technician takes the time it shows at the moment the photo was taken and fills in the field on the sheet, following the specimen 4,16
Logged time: 1,37
